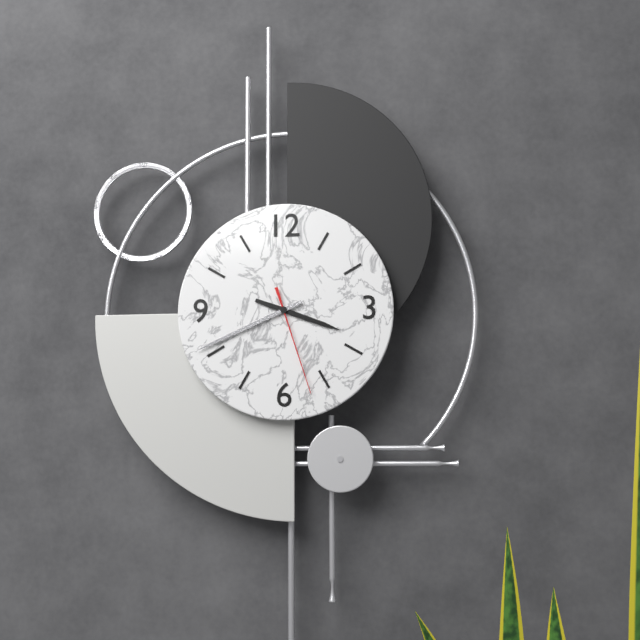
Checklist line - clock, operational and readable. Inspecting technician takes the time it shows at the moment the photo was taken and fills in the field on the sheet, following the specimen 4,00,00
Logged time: 3,41,27
